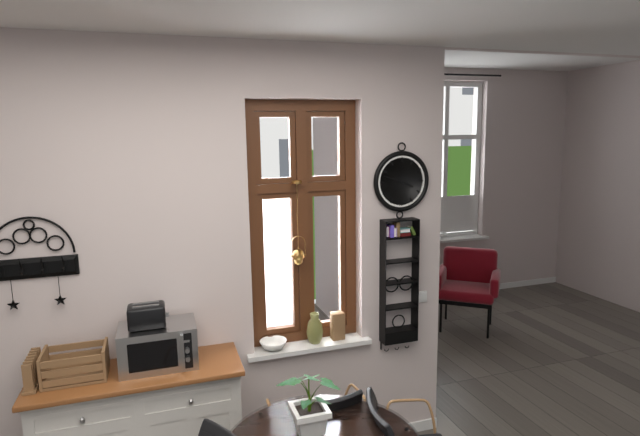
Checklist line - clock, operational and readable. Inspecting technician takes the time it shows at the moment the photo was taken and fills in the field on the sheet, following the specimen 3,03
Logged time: 3,48
